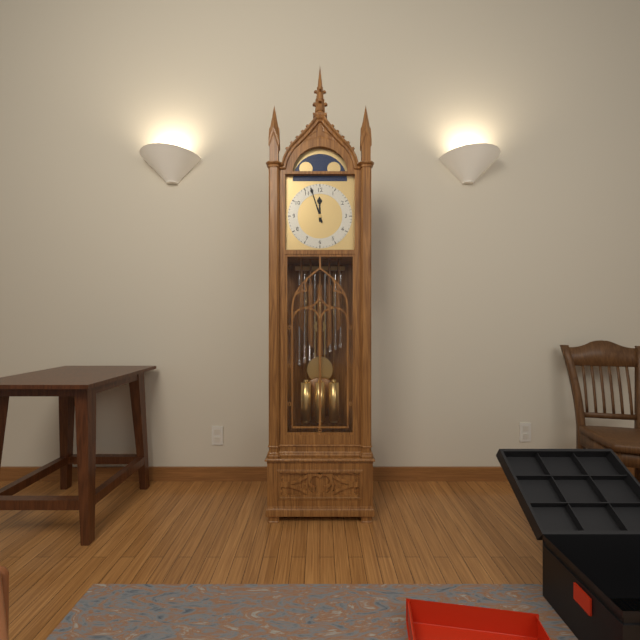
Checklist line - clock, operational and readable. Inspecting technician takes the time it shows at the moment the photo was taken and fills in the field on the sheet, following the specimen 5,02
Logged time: 11,57
